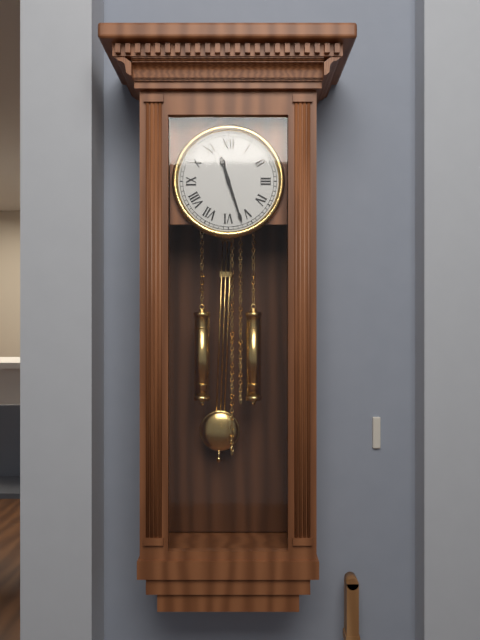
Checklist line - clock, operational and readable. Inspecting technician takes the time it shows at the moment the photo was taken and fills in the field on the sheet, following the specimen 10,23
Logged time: 11,27
